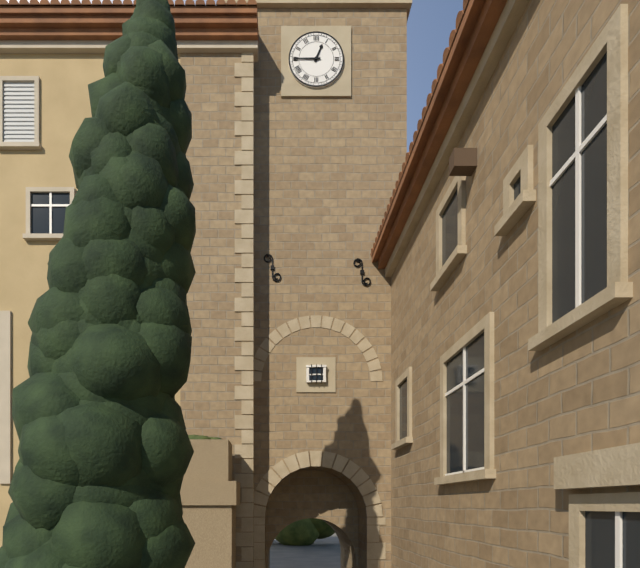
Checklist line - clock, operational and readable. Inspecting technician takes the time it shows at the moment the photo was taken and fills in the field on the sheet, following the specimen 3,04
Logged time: 12,45
